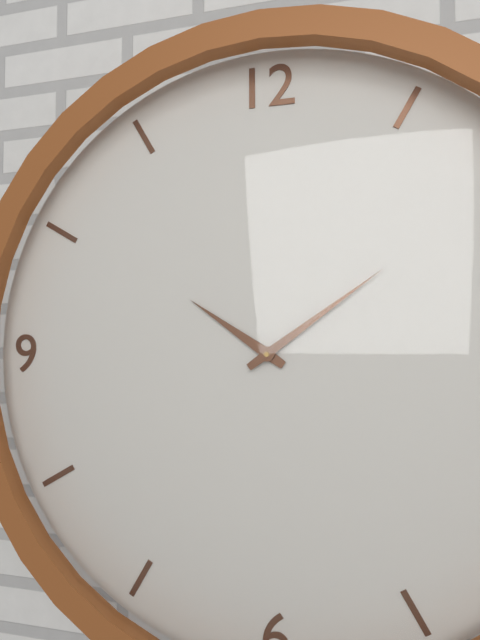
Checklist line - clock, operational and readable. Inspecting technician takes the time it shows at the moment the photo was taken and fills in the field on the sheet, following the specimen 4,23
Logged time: 10,09
